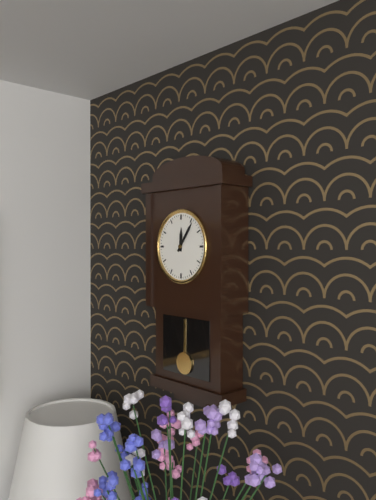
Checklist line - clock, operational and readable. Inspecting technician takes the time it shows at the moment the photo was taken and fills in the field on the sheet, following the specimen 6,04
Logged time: 12,06
